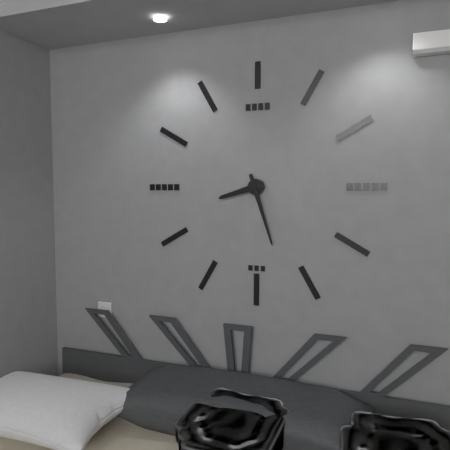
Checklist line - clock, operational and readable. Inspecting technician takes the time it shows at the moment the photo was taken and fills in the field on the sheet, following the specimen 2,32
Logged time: 8,27
